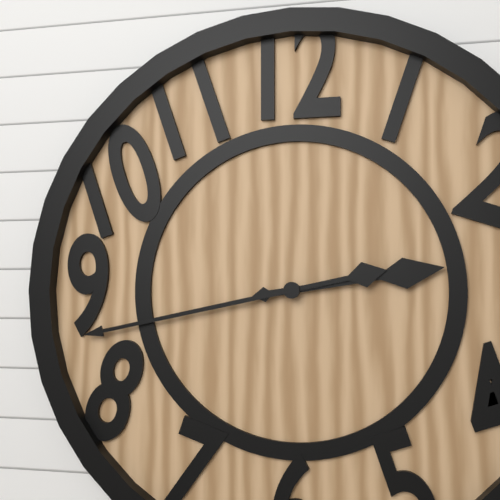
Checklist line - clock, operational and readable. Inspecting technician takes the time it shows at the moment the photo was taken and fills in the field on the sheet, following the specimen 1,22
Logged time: 2,43
